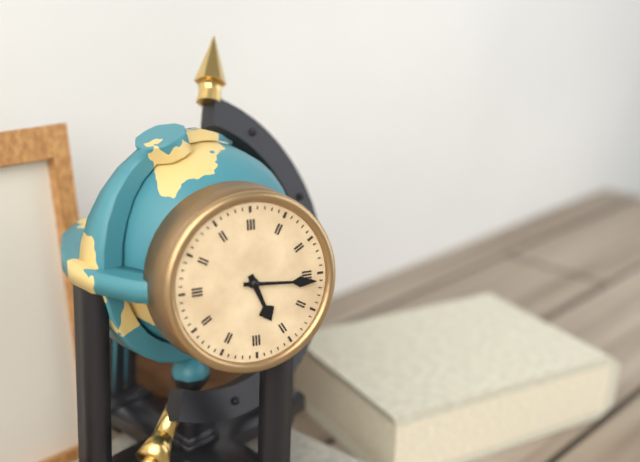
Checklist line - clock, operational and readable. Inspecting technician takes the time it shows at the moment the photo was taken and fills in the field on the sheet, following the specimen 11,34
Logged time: 5,16
